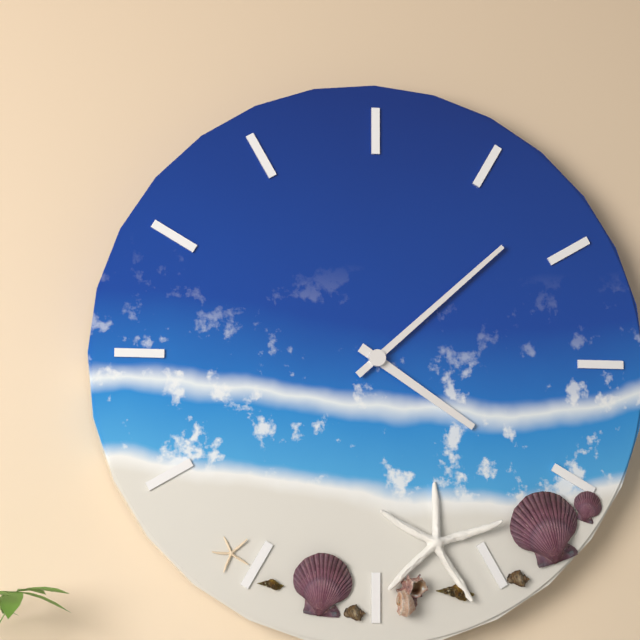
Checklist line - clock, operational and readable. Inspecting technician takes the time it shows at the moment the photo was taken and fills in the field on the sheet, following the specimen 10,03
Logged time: 4,08
